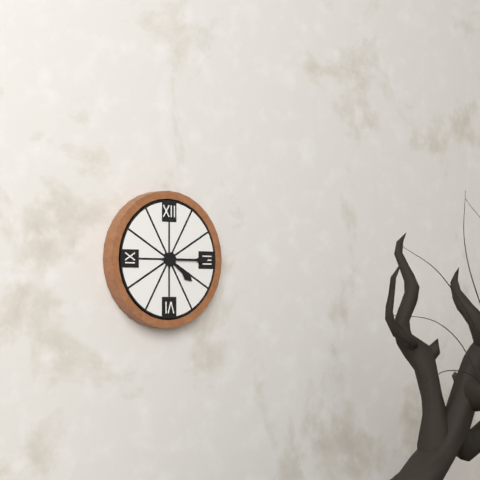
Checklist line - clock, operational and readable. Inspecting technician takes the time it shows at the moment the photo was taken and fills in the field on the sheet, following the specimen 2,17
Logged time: 4,15
